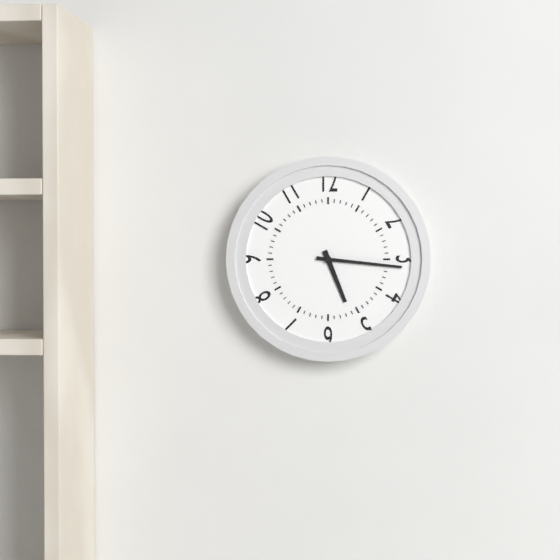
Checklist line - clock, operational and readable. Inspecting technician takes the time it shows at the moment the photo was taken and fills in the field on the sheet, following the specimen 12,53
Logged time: 5,16
